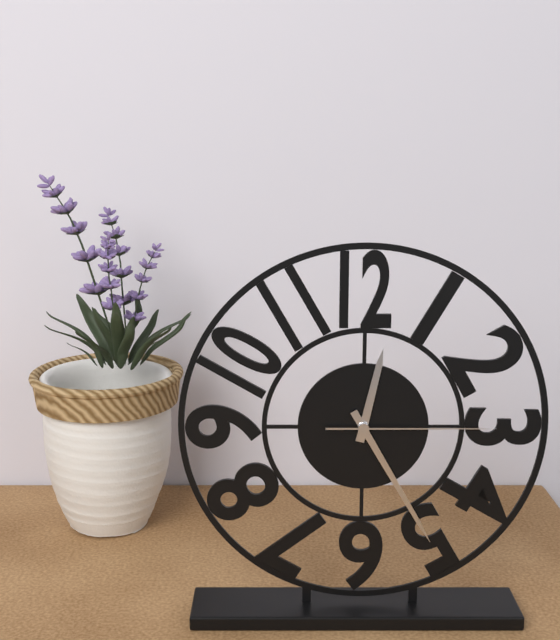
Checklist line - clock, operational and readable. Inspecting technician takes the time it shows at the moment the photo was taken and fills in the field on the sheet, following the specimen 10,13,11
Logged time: 12,25,15
